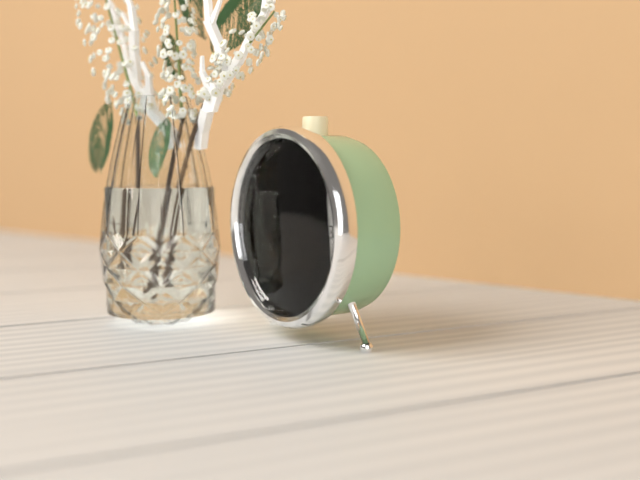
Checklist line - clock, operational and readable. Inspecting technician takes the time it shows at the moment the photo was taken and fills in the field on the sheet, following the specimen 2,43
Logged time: 1,15
